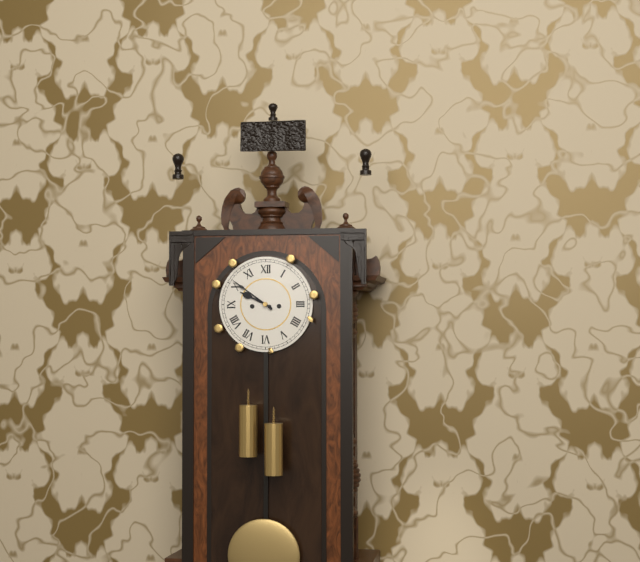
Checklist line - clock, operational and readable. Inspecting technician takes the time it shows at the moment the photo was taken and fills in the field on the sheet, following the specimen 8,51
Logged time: 9,51
